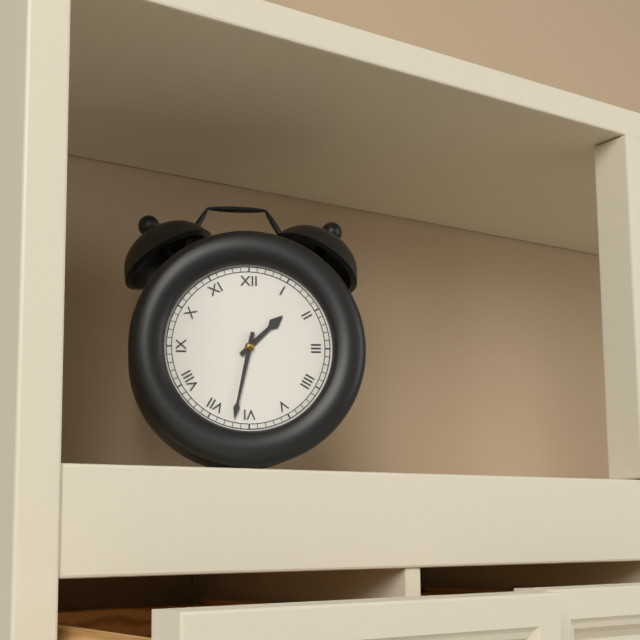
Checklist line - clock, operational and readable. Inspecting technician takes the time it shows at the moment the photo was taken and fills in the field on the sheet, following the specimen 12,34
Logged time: 1,32
